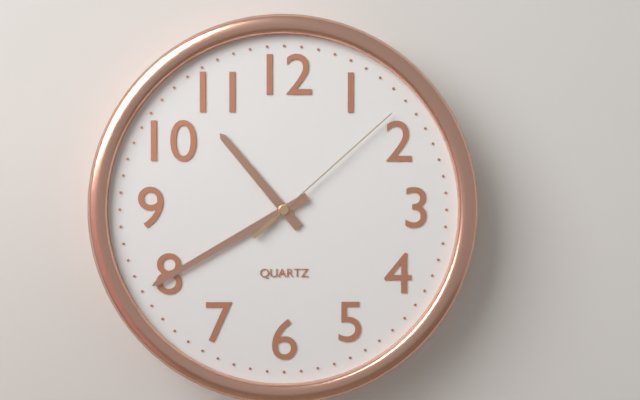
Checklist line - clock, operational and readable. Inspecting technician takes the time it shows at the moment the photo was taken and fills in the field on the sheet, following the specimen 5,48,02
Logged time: 10,40,08
